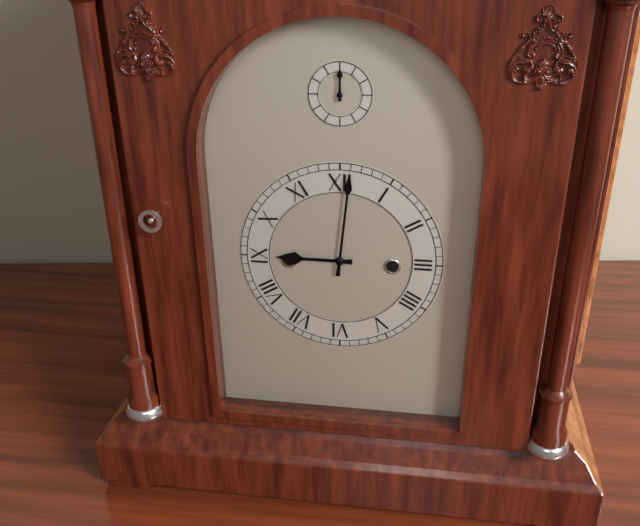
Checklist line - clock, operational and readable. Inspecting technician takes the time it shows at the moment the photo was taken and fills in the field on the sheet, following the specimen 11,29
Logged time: 9,01
